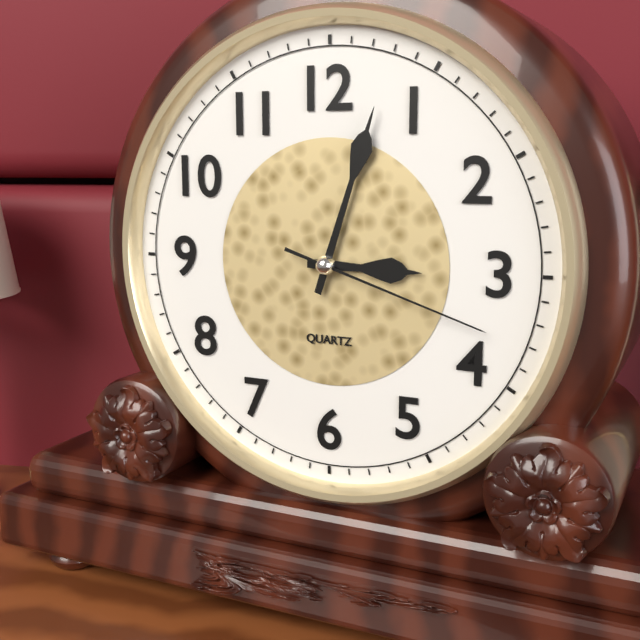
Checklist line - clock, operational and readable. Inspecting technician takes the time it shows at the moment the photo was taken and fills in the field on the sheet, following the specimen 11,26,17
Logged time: 3,03,18
